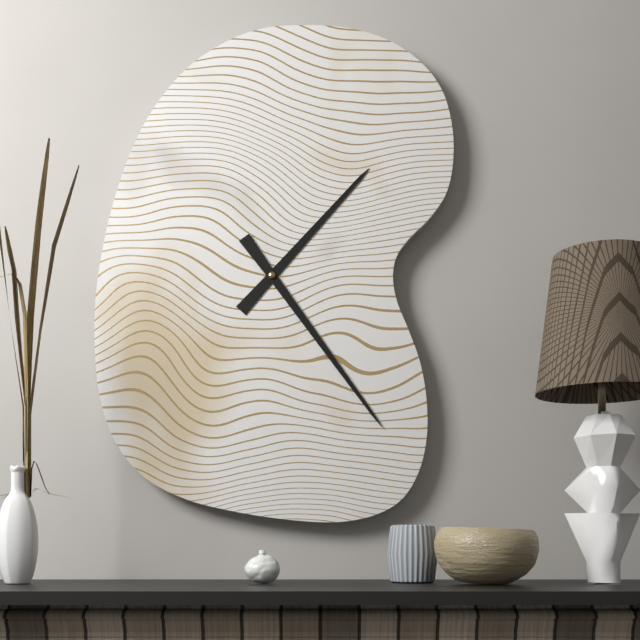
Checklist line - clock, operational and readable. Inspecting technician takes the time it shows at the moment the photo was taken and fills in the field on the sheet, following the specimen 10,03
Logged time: 1,24
